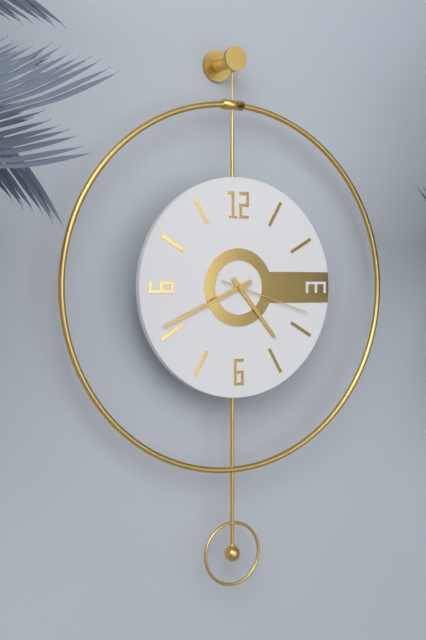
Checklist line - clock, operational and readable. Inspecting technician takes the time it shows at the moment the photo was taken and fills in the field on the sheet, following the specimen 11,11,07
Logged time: 4,41,18
